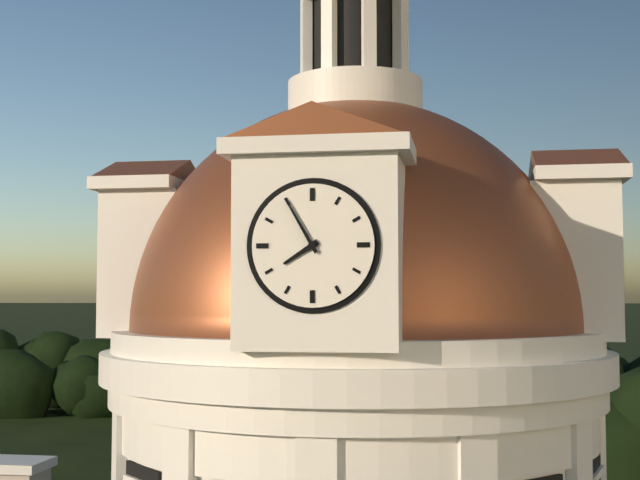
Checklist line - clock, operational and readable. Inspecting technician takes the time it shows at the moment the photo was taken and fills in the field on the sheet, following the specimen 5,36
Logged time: 7,55
